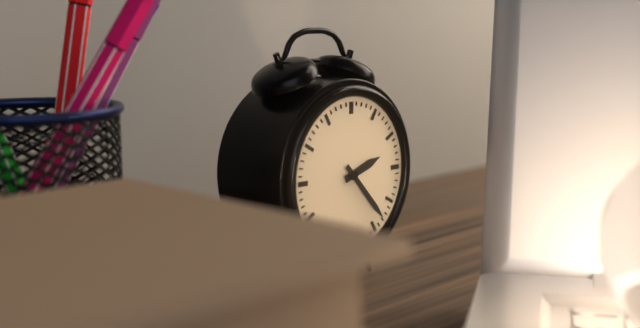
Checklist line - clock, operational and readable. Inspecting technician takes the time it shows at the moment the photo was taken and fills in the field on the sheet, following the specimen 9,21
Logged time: 2,23
